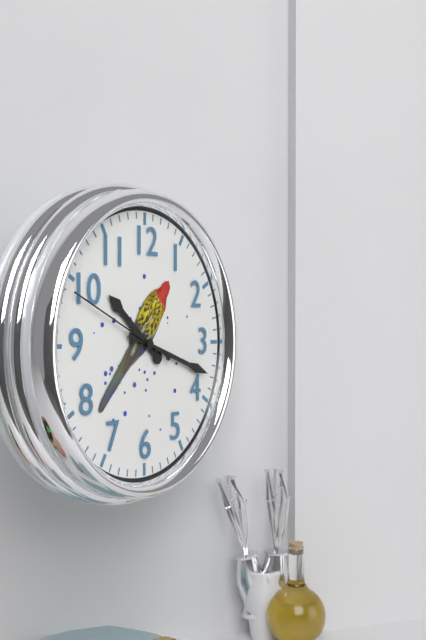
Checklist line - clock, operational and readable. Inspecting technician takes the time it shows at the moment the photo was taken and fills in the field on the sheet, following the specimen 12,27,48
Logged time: 10,18,49
